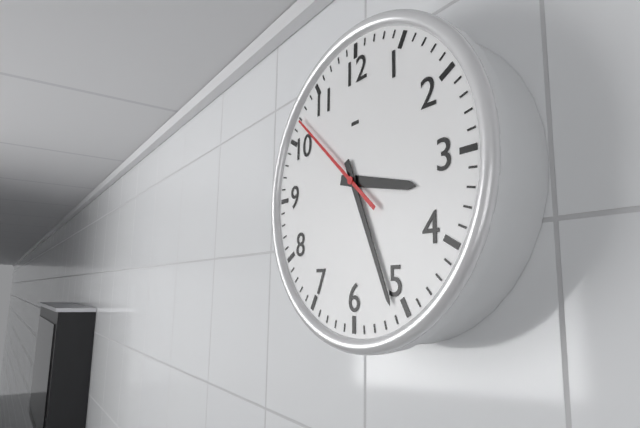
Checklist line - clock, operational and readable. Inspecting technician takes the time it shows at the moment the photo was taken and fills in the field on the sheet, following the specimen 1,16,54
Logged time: 3,26,52
